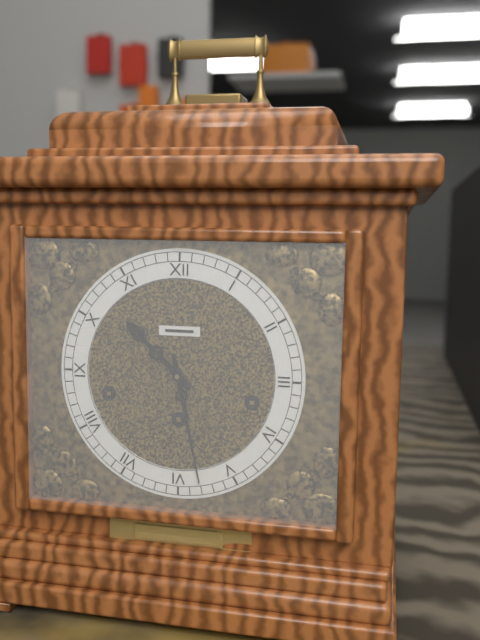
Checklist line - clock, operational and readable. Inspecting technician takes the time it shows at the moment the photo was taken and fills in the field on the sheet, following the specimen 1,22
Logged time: 10,28
